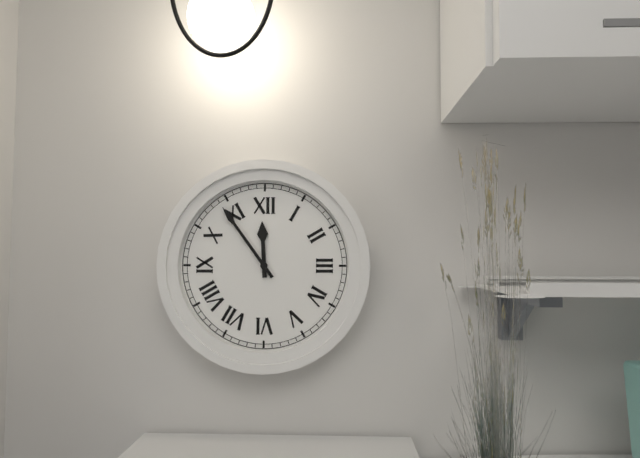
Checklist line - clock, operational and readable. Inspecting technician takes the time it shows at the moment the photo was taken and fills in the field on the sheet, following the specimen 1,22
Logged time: 11,54
